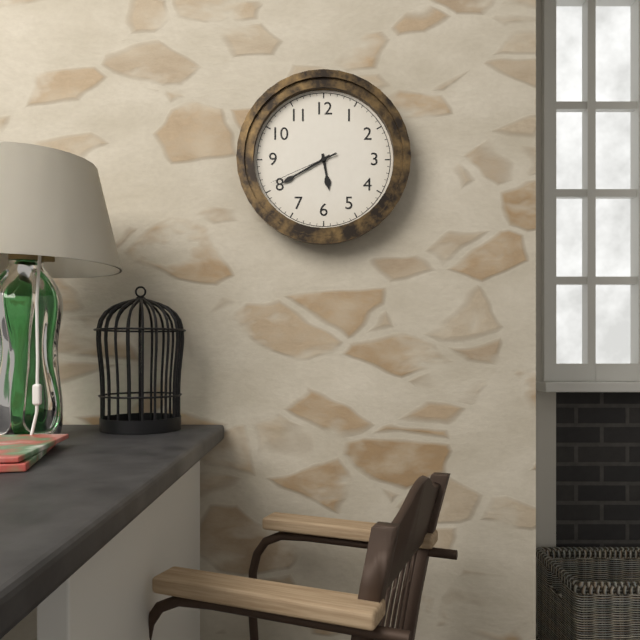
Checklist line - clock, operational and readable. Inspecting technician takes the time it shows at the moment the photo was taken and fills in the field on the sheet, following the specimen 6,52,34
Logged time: 5,40,41
